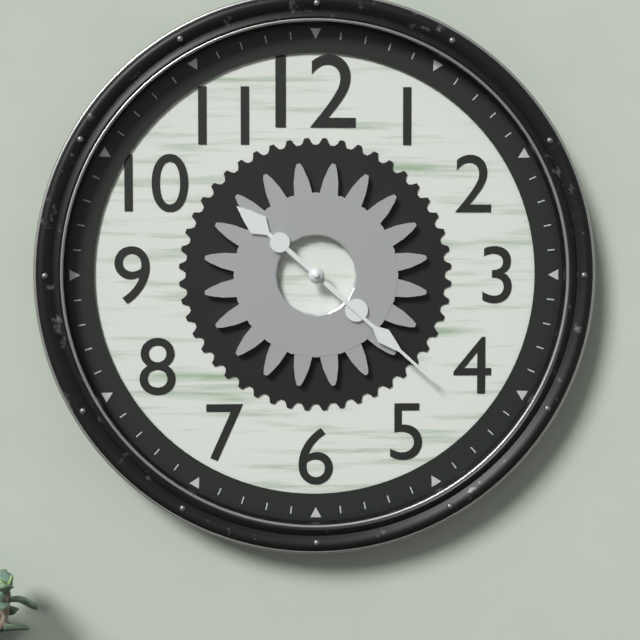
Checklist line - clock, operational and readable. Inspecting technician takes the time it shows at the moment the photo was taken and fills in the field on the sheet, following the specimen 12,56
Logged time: 10,22
